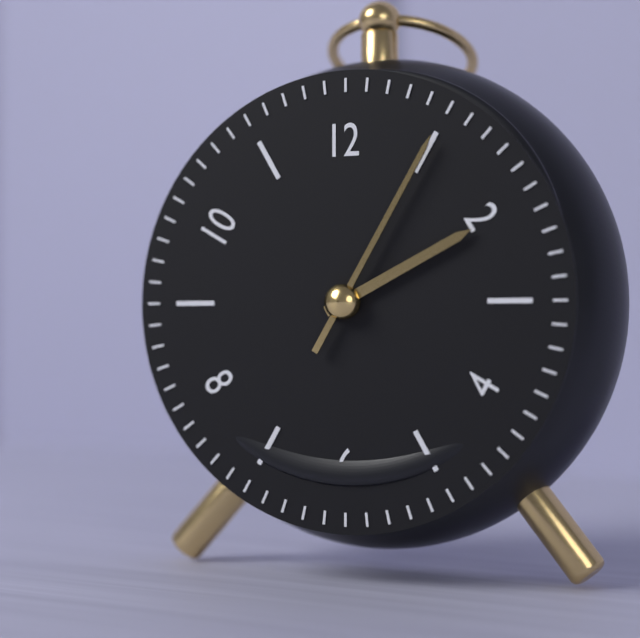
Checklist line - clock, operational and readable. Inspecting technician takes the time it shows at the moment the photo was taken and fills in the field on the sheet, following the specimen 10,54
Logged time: 2,05
